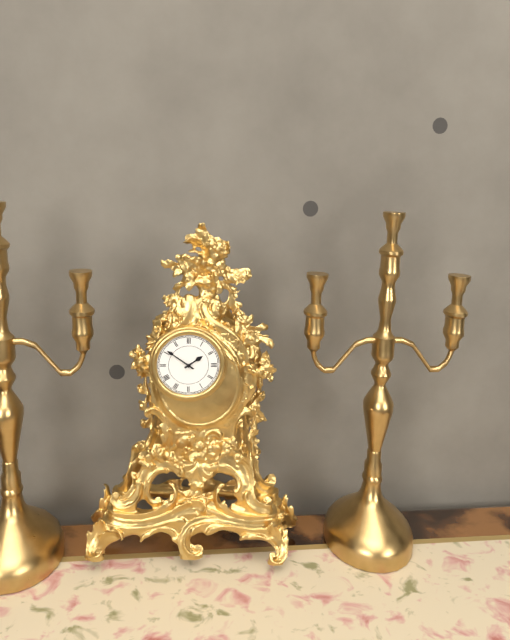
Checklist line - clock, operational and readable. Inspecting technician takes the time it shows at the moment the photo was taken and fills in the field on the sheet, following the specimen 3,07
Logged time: 1,51
